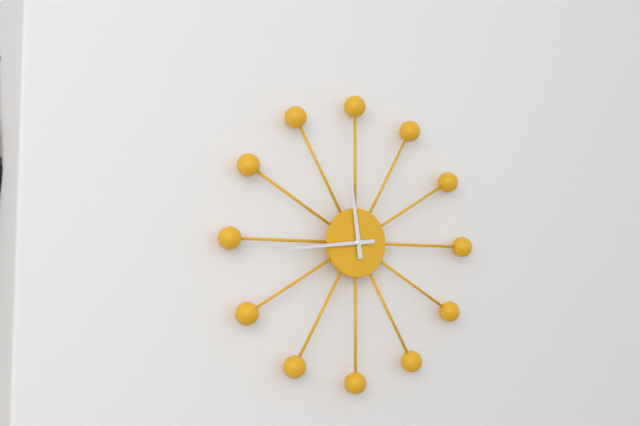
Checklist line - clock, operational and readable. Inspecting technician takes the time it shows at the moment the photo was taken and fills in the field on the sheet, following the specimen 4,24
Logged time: 11,44
